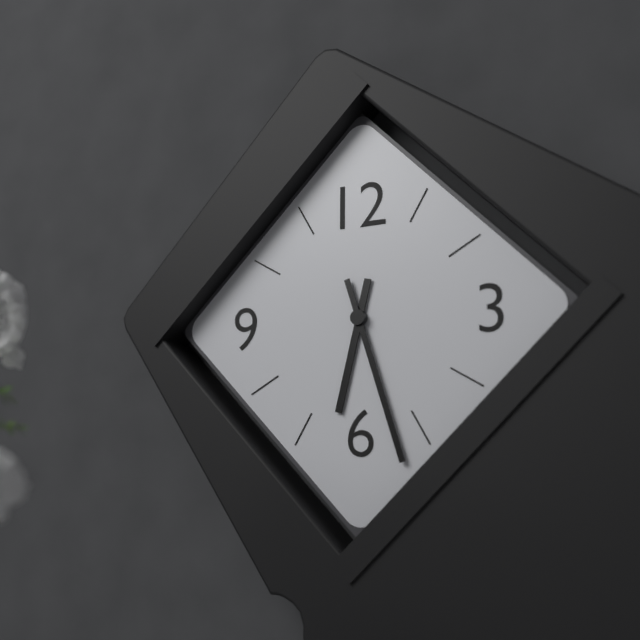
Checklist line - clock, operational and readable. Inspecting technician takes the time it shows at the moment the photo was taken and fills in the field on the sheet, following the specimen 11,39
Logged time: 6,27
